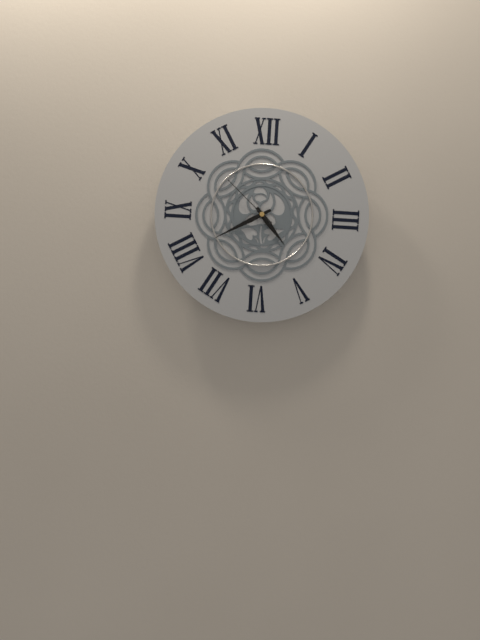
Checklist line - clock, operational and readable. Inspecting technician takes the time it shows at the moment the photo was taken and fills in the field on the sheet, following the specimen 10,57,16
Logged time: 4,40,52
